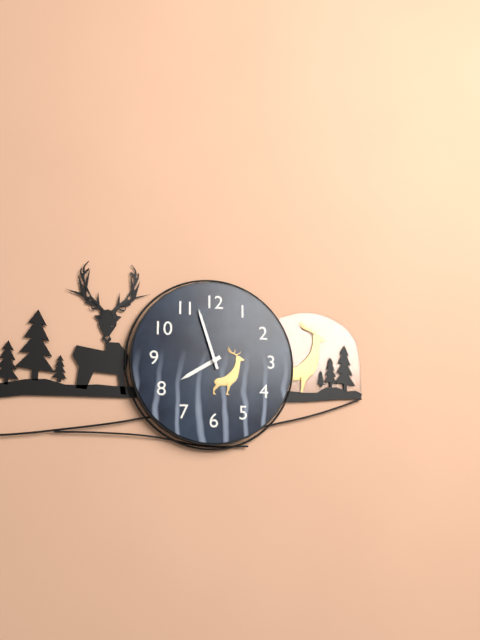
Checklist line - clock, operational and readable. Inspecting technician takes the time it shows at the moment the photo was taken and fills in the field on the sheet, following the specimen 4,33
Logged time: 7,57
